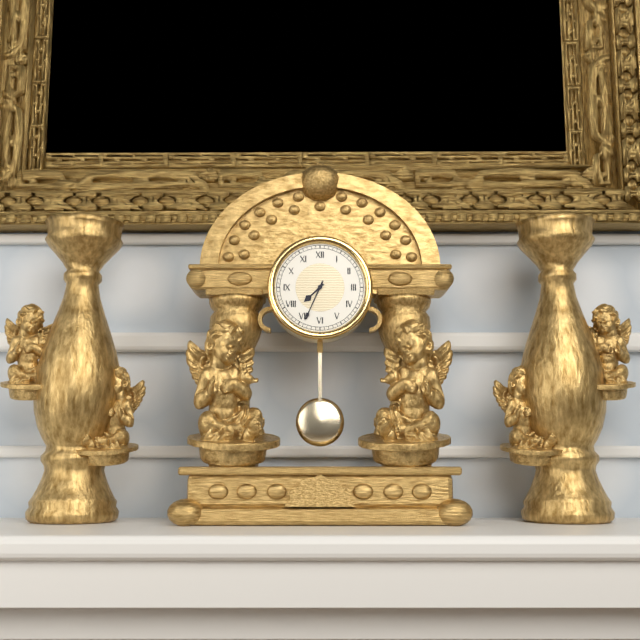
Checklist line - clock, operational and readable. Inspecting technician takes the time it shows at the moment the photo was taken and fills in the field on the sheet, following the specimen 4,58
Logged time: 7,34
